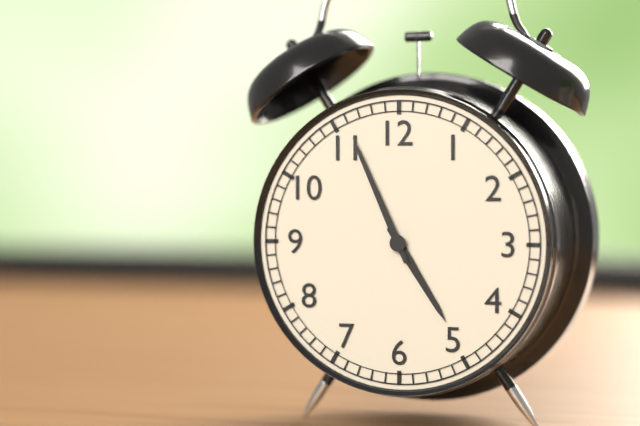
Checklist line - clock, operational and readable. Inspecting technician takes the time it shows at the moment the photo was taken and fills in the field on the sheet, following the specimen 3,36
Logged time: 4,56
